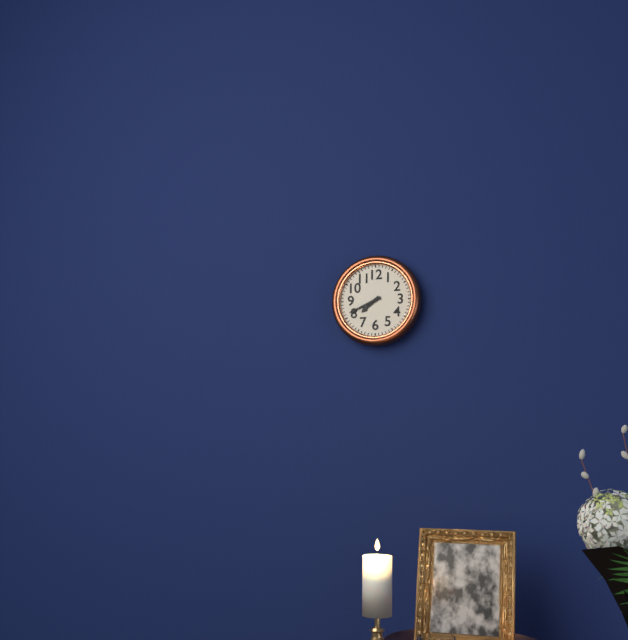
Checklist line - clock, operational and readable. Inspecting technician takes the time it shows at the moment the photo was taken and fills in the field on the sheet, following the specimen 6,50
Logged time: 7,41
